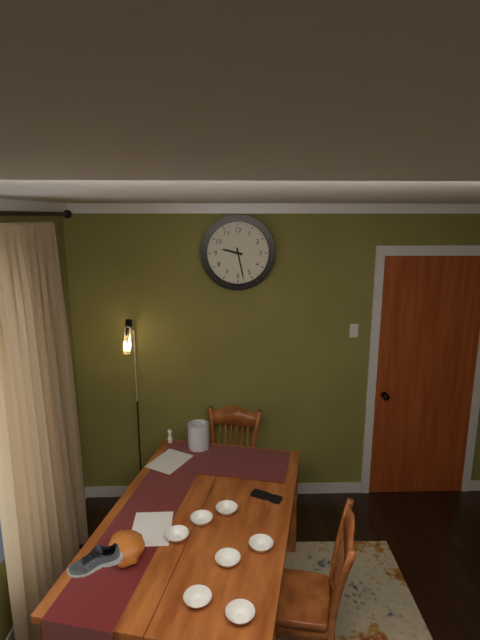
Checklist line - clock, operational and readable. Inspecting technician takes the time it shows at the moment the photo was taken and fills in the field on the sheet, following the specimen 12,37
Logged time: 9,28
